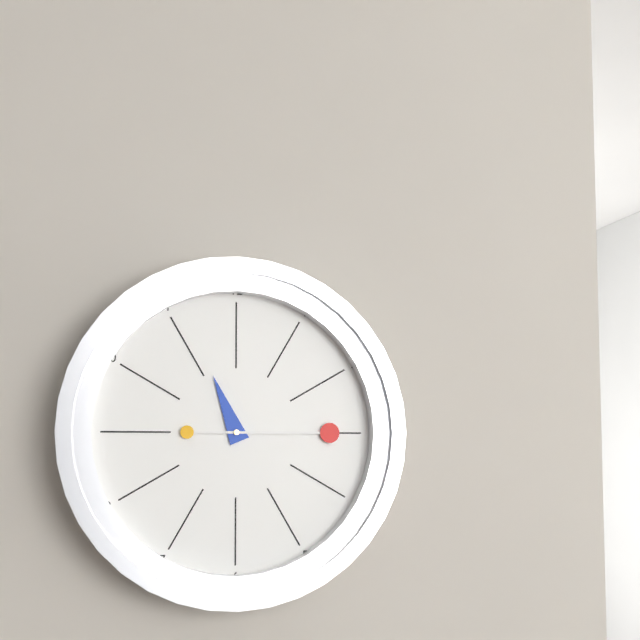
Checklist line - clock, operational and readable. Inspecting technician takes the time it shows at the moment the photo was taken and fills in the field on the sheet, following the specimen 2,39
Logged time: 11,15
